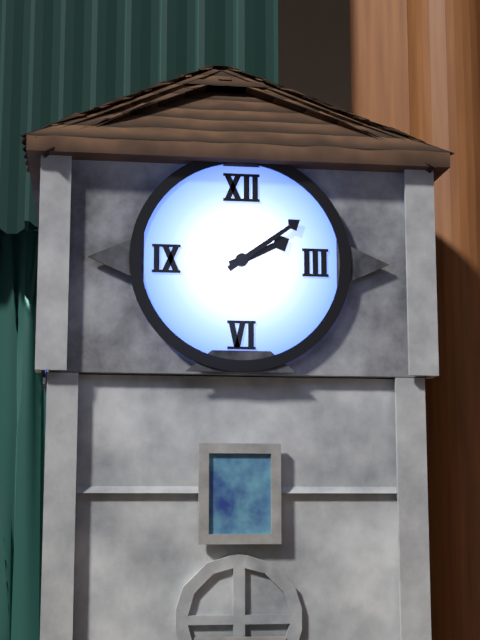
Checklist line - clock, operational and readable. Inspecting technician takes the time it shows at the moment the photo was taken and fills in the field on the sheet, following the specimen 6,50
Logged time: 2,09
